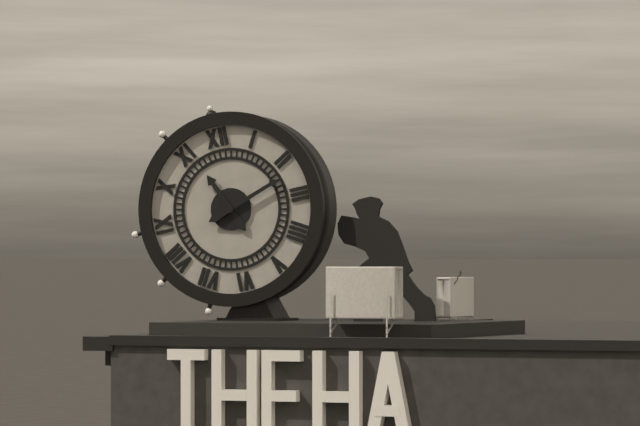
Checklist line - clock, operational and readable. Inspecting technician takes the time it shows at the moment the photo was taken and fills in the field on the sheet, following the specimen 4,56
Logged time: 11,12
